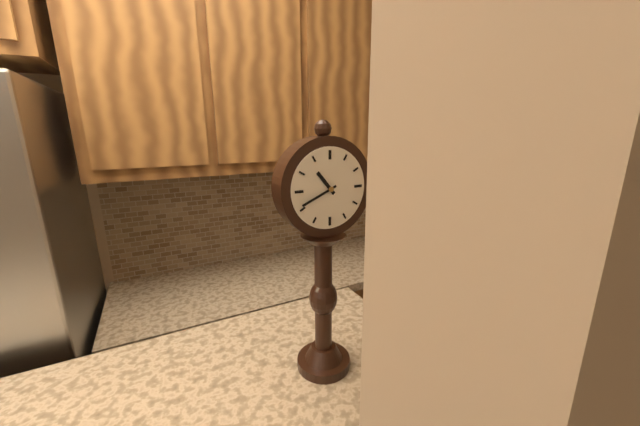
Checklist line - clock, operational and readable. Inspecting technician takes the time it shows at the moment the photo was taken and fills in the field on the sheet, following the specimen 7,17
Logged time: 10,41
